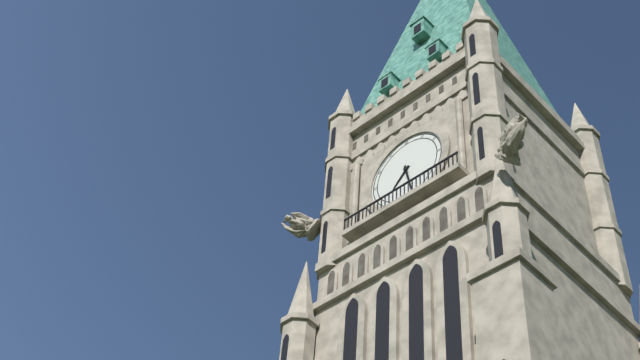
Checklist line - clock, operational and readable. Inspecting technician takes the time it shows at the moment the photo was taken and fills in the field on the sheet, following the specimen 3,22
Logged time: 7,28
